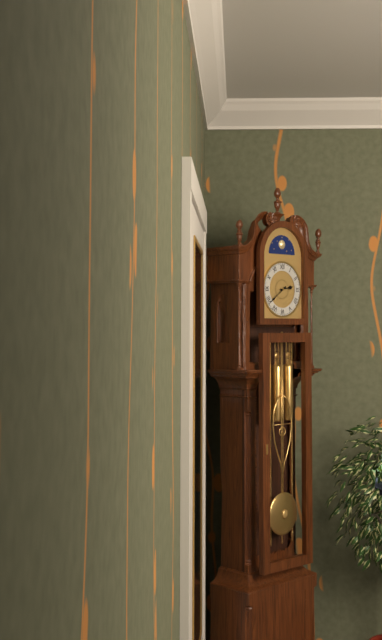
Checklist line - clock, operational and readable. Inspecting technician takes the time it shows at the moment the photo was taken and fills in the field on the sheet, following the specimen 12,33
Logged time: 2,39
